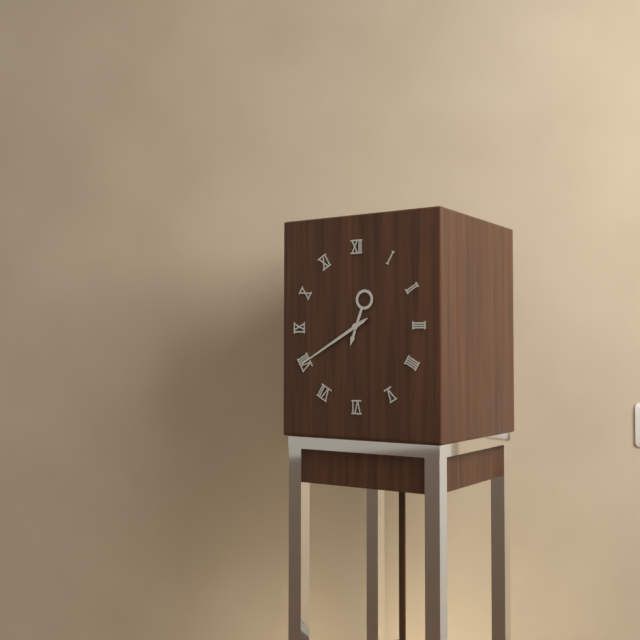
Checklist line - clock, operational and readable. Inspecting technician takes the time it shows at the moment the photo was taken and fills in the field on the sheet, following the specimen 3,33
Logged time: 12,40
